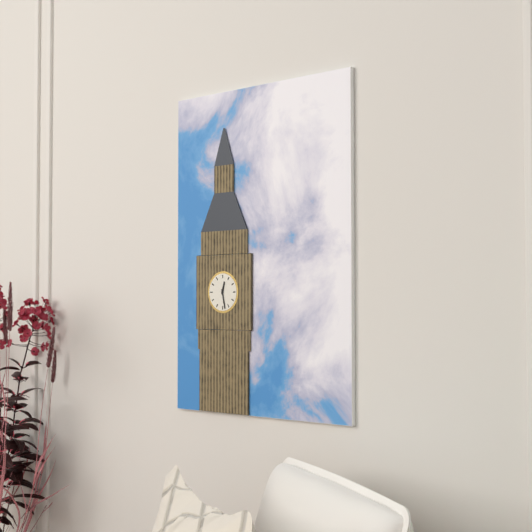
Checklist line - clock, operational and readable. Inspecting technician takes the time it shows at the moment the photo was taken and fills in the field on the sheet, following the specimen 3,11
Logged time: 12,28
